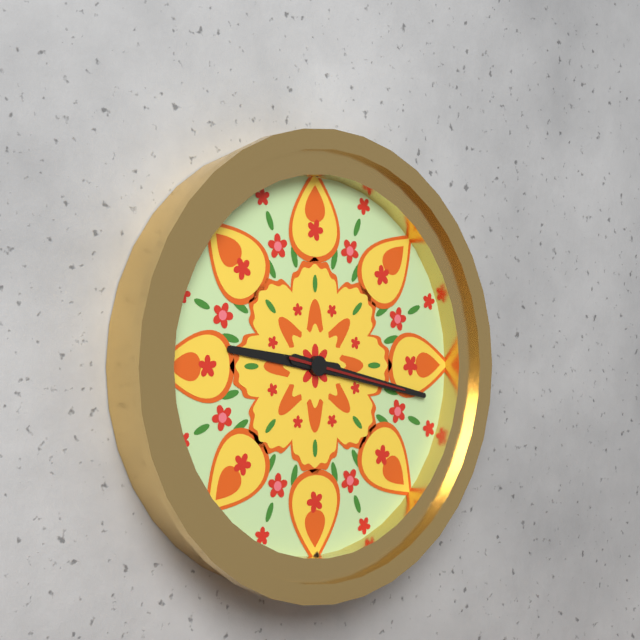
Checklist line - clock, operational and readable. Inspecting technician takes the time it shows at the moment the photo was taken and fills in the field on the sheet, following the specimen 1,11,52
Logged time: 9,17,17
